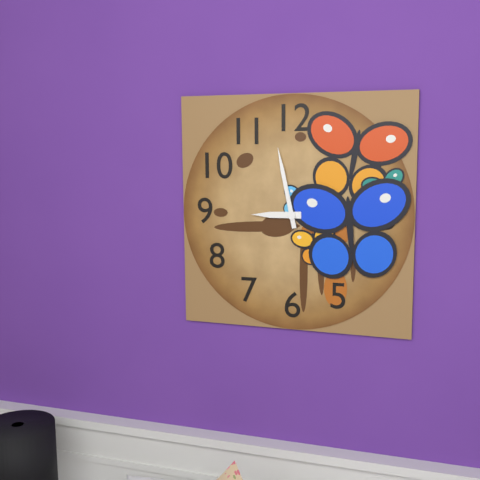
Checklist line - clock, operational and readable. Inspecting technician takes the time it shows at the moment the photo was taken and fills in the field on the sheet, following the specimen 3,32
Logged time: 8,58
